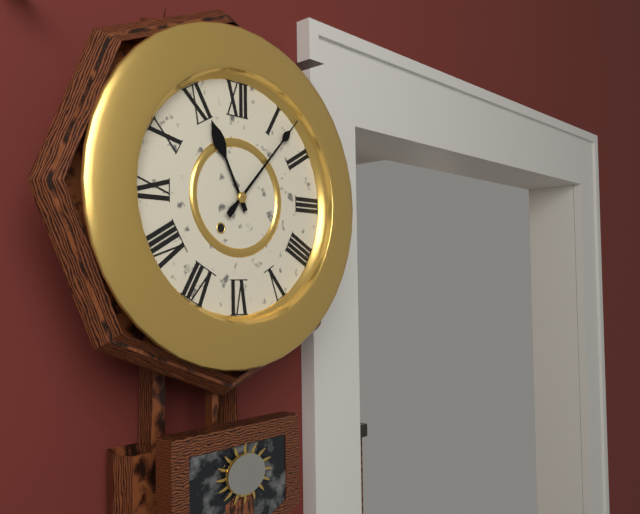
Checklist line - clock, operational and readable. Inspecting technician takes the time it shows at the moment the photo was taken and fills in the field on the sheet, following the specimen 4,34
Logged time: 11,07
